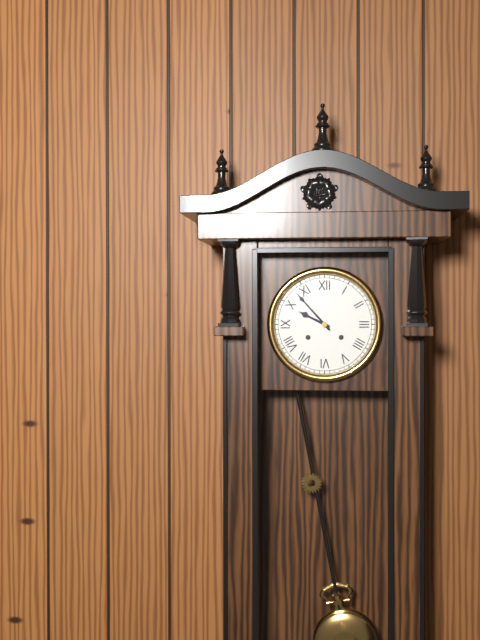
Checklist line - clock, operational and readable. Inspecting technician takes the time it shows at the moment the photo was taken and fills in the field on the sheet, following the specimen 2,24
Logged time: 9,53
